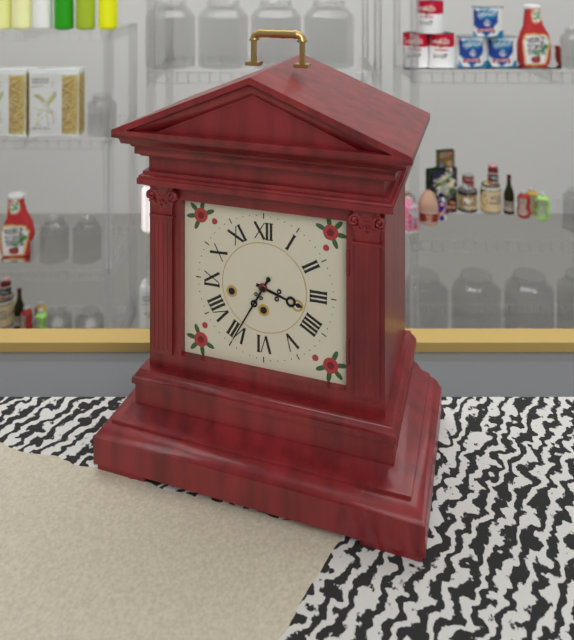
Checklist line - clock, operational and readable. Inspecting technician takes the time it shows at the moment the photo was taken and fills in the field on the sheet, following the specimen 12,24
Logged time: 3,35
